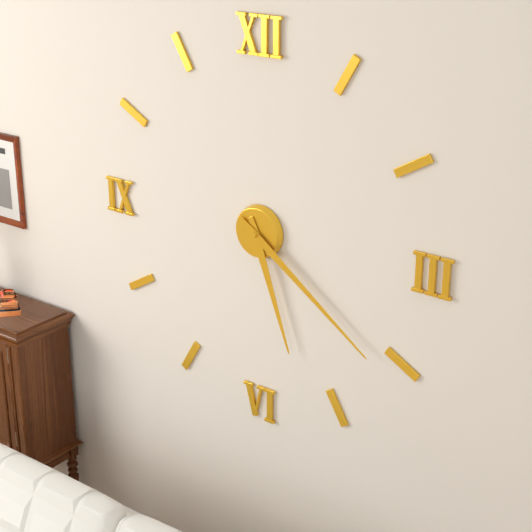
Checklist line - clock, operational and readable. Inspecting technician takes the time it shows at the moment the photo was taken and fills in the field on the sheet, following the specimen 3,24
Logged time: 5,21
